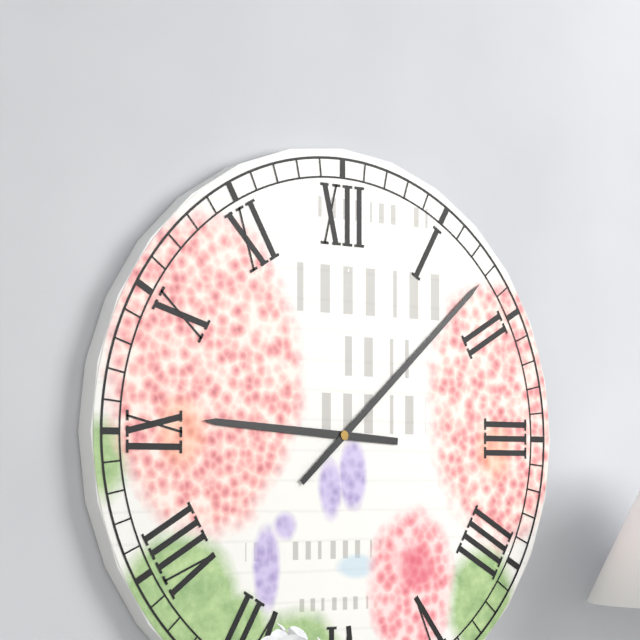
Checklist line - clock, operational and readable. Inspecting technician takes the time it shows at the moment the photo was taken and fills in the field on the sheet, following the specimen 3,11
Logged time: 9,08
